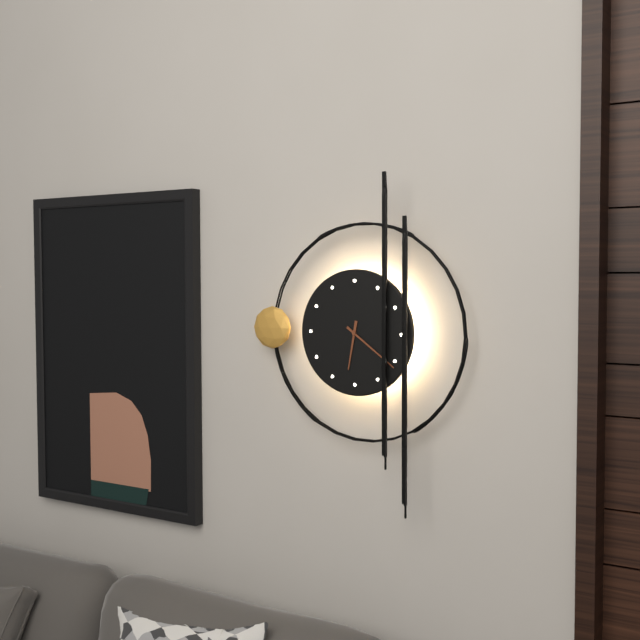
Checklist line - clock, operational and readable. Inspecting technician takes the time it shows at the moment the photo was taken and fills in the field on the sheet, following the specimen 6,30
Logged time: 6,21
